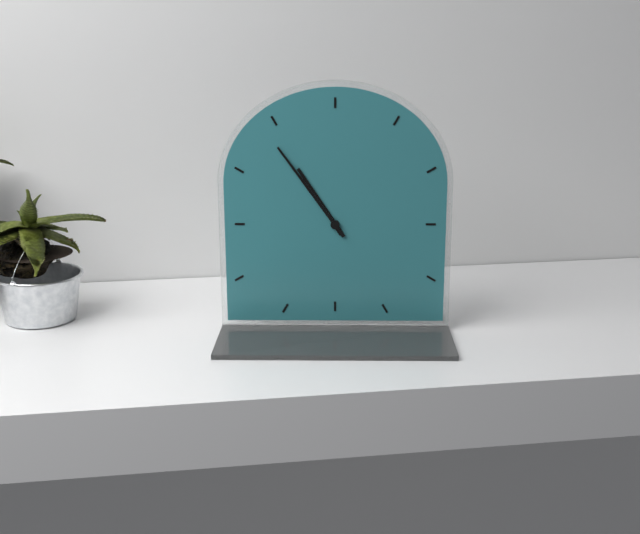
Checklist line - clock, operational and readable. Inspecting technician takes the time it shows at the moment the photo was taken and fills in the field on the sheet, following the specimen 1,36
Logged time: 10,54
